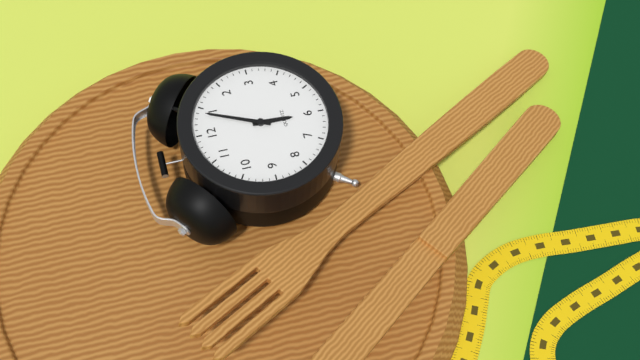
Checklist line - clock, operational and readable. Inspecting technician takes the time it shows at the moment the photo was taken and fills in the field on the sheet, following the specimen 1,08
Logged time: 6,04
